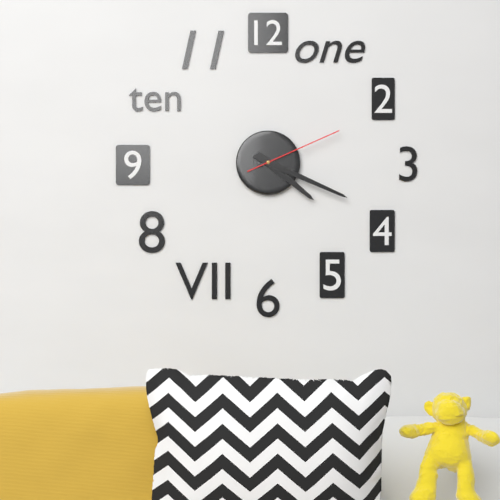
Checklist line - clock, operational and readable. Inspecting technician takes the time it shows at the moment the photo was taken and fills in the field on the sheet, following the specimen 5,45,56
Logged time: 4,19,11
